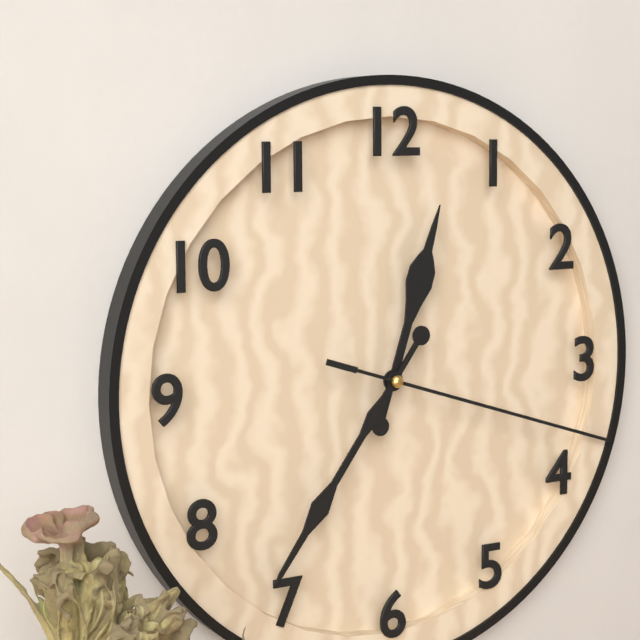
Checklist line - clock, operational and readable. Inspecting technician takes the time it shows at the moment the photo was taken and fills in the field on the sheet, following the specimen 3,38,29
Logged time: 12,36,18
